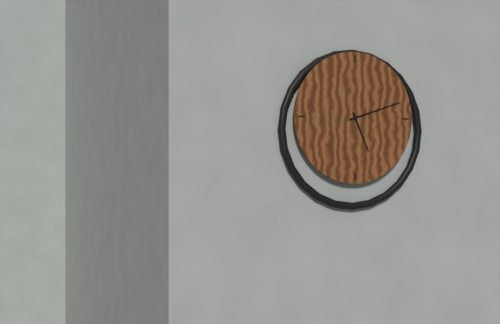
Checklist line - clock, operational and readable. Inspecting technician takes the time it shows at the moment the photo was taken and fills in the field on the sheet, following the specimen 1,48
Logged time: 5,12
